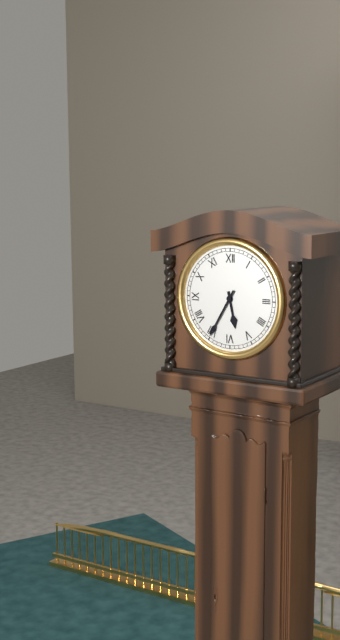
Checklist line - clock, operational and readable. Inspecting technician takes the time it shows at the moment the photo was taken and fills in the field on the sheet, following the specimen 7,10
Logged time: 5,35
